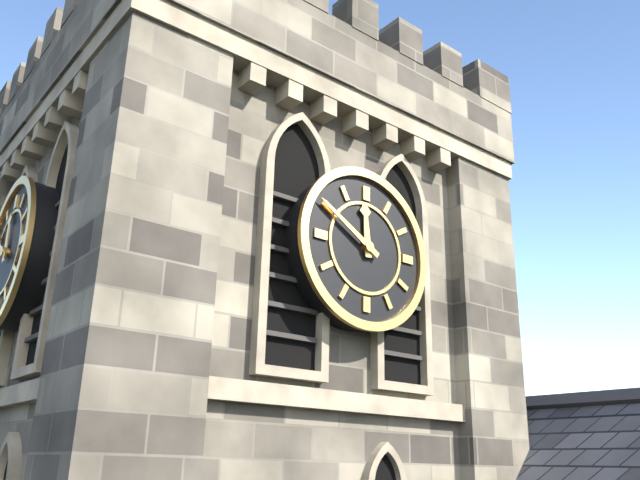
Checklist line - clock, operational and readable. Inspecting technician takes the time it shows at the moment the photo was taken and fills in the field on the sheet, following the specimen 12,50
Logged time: 11,50
